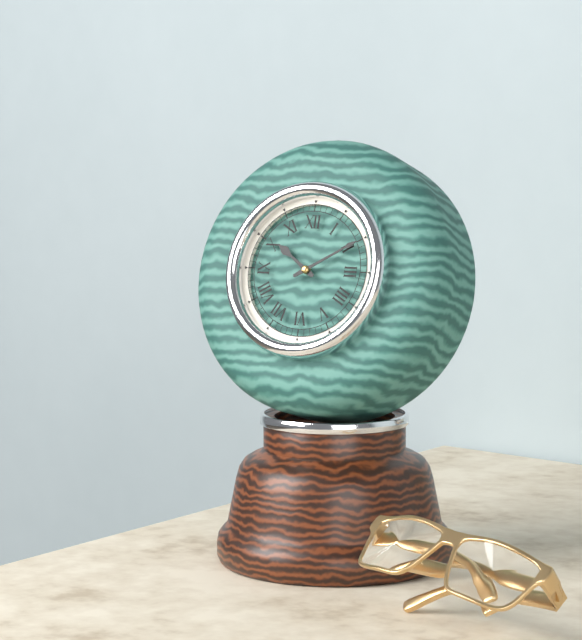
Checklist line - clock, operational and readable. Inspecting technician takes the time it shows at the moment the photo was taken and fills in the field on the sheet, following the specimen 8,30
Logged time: 10,10
